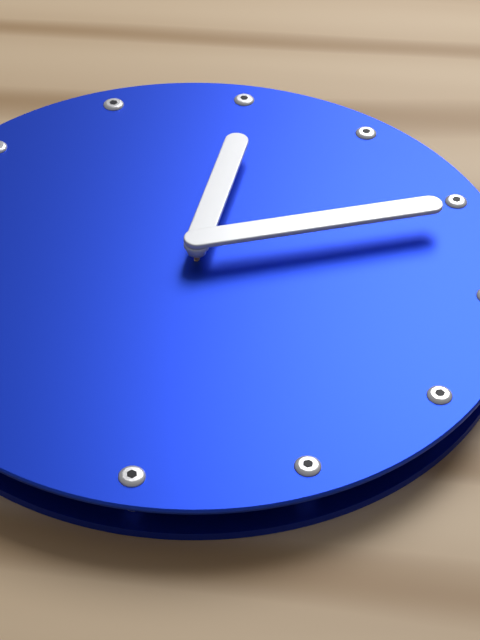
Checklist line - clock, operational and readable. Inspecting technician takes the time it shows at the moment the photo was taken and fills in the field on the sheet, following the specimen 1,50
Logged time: 11,06
